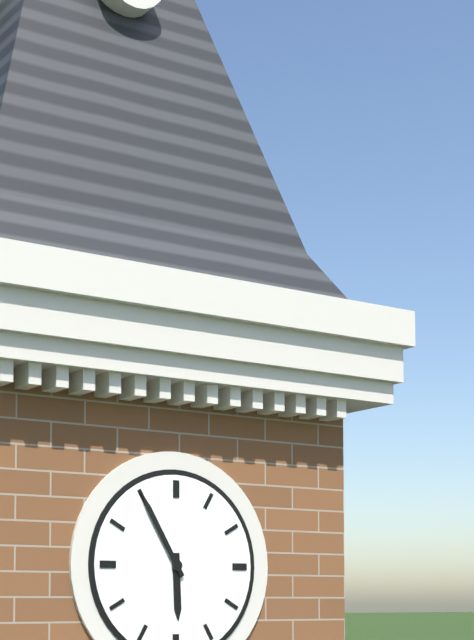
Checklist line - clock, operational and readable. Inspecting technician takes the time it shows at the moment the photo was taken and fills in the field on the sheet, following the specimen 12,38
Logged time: 5,55
